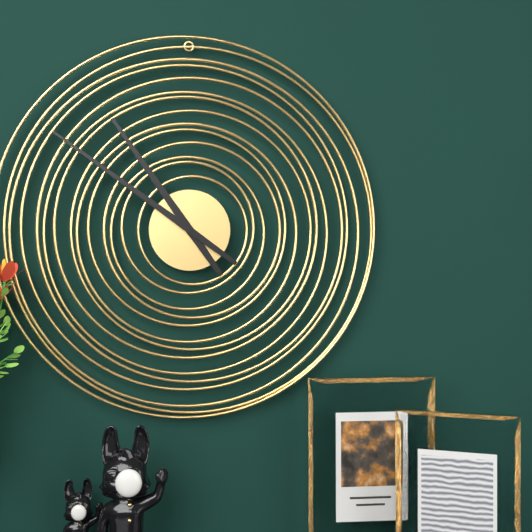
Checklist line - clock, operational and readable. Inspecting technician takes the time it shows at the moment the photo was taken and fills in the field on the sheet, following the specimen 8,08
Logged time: 10,51
